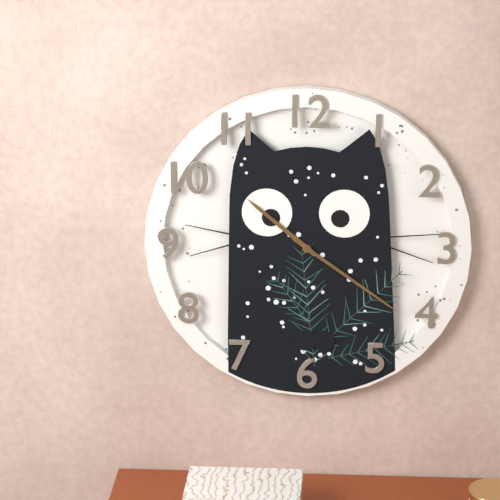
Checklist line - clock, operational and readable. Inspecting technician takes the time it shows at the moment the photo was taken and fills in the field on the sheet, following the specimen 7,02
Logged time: 10,21
